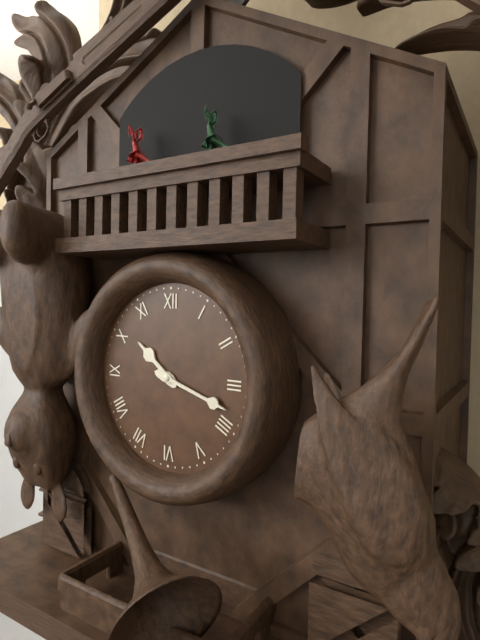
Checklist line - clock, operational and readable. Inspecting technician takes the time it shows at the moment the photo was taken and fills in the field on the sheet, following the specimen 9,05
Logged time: 10,18
